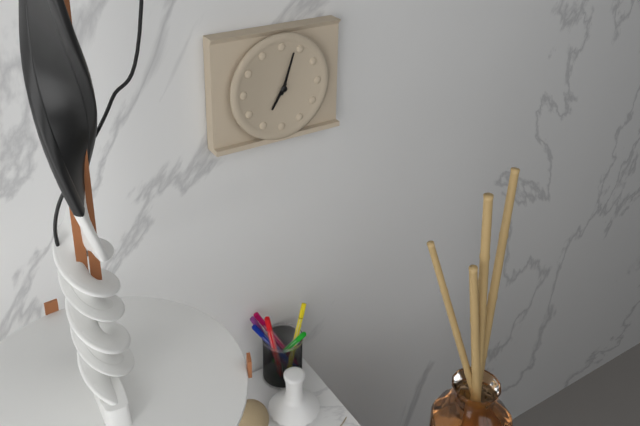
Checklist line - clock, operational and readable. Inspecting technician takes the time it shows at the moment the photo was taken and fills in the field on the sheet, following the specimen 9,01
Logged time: 7,03
